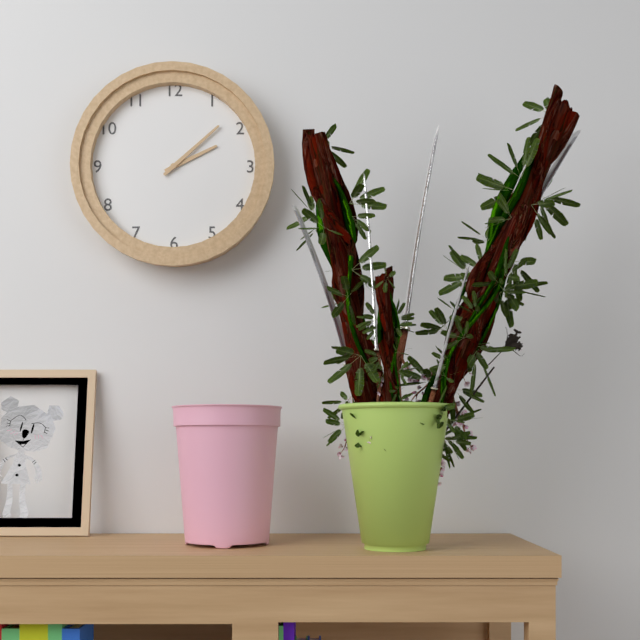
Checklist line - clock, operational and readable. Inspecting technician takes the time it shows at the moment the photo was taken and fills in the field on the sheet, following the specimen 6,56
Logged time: 2,08
